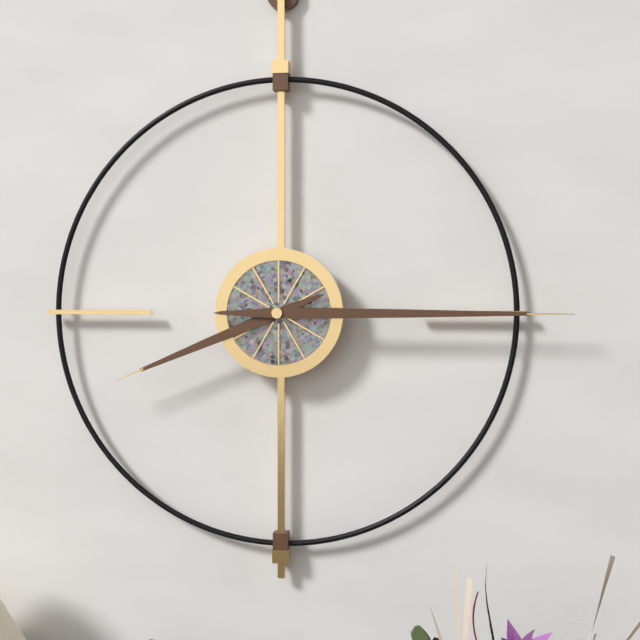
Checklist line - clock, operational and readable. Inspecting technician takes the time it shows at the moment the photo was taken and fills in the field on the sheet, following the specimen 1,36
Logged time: 8,15
